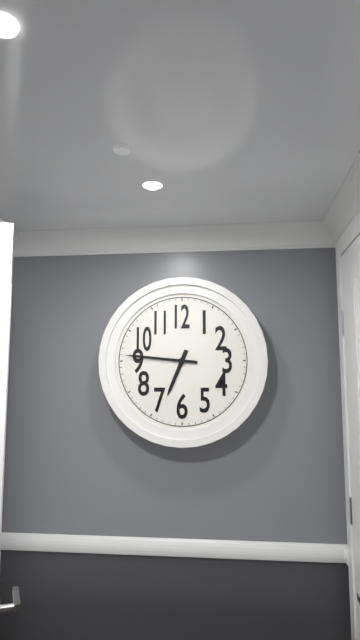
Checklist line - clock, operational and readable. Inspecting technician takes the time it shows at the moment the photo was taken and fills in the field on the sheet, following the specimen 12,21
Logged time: 6,46
